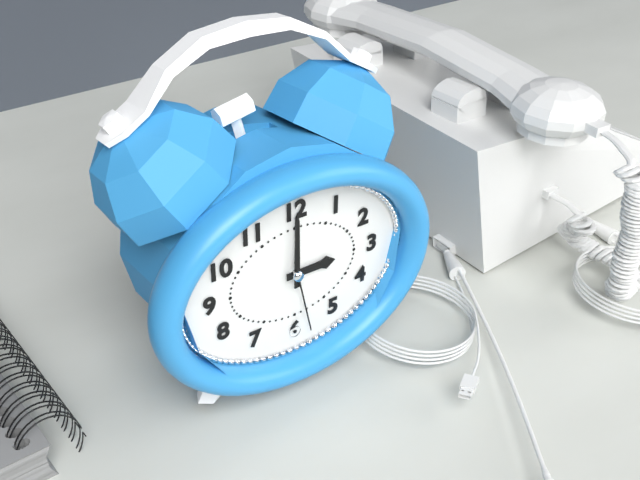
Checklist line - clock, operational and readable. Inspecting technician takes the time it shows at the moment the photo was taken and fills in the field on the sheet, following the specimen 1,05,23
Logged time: 3,00,28
